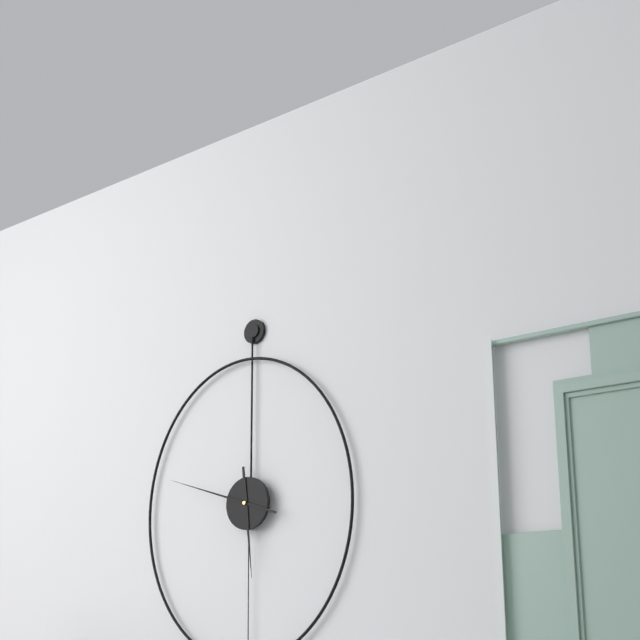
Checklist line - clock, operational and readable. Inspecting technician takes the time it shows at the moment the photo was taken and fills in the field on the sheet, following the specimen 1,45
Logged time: 5,48
